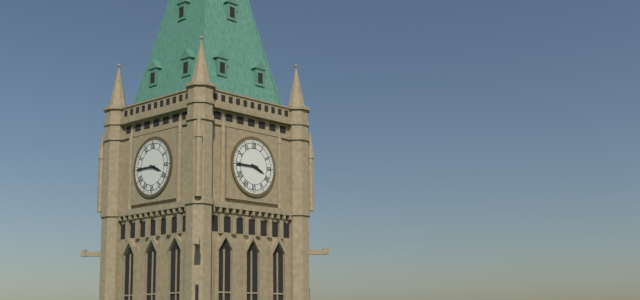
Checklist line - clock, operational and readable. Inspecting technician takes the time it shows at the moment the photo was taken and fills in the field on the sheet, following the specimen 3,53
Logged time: 3,45
